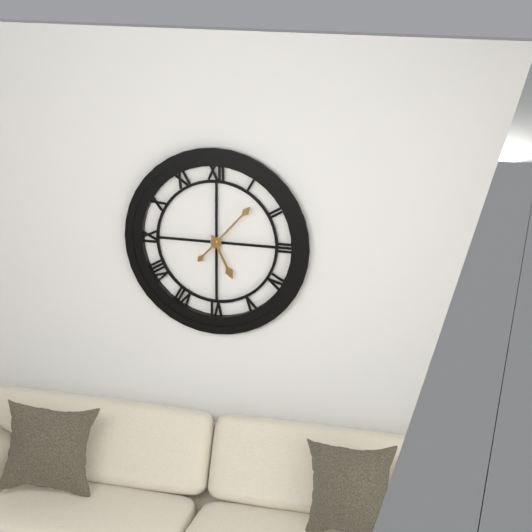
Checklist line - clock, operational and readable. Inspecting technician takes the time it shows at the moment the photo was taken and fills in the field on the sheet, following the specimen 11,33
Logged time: 5,07
